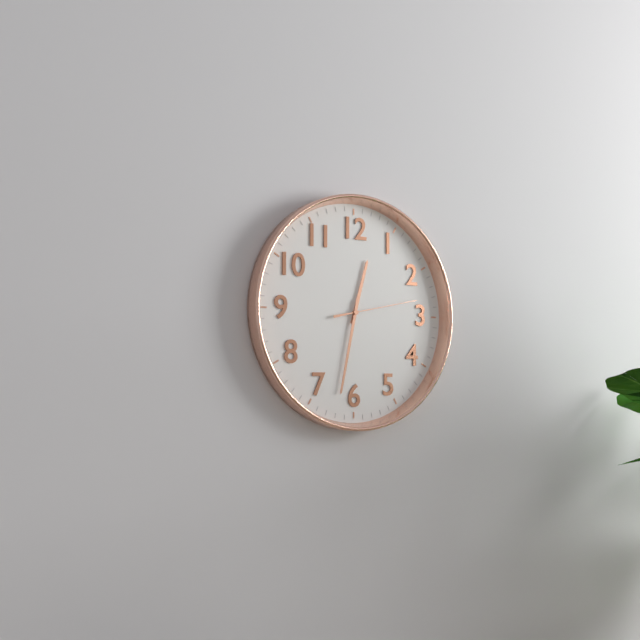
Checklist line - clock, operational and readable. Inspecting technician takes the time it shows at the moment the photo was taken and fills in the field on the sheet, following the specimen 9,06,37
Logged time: 12,32,13
